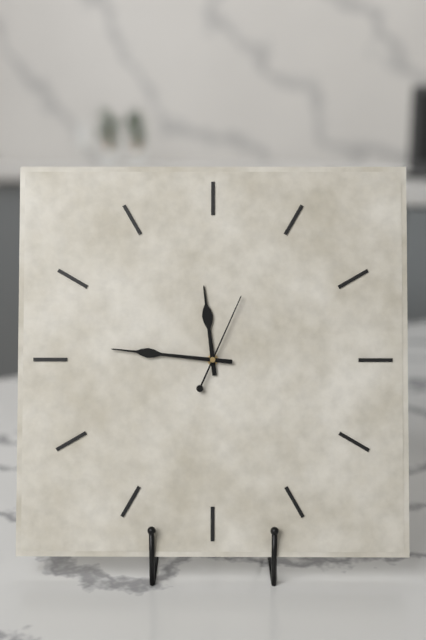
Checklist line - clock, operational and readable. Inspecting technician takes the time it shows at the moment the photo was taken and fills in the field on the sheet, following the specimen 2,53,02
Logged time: 11,46,04
